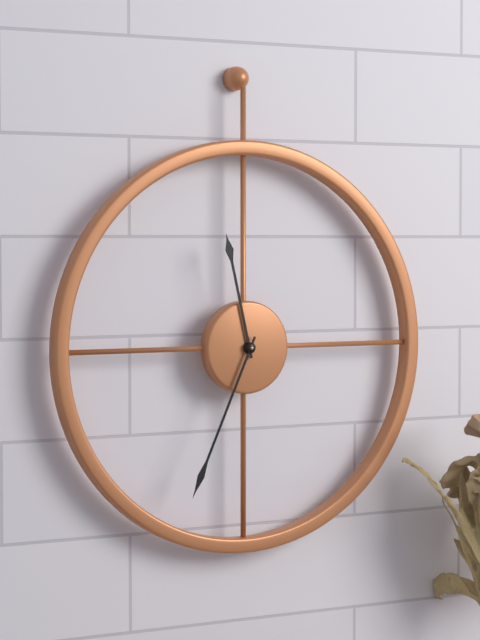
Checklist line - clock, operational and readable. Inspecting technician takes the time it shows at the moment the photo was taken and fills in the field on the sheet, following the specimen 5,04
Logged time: 11,34
